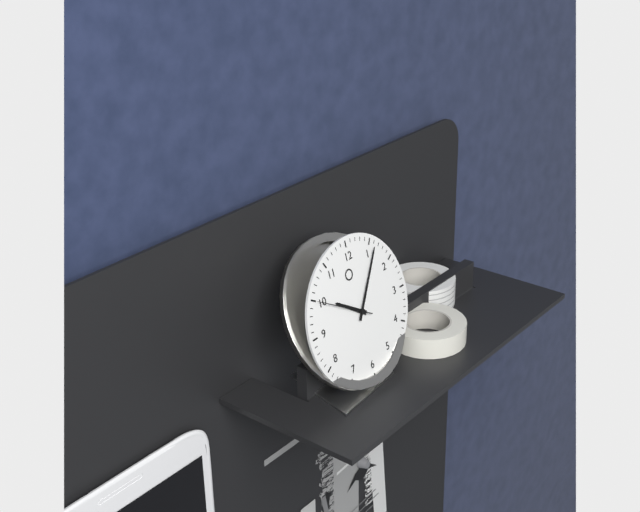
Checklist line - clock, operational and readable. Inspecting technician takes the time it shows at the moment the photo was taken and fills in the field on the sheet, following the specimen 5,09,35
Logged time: 10,06,50
